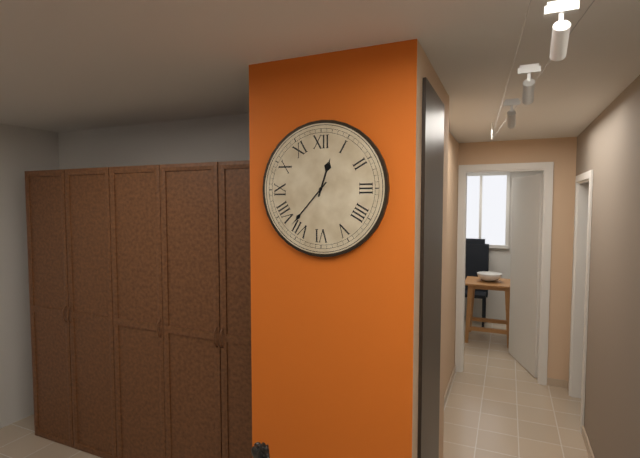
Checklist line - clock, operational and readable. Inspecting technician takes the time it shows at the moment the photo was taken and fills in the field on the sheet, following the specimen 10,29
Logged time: 12,37
